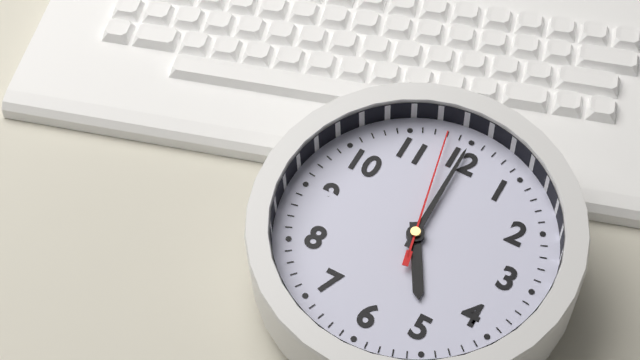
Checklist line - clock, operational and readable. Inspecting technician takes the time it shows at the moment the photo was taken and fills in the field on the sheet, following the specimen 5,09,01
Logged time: 5,00,58
